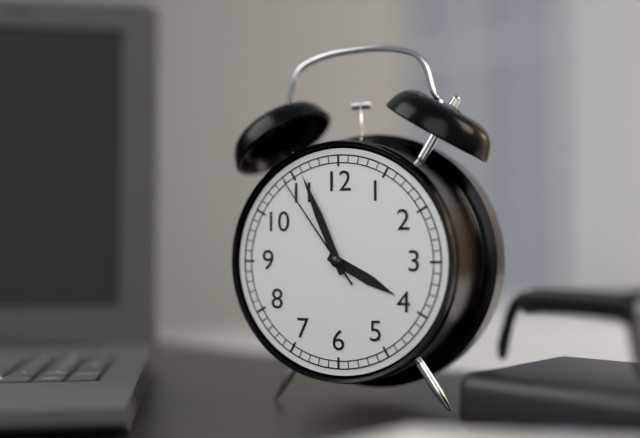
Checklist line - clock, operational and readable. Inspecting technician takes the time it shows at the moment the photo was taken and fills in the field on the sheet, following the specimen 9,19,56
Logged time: 3,56,54
